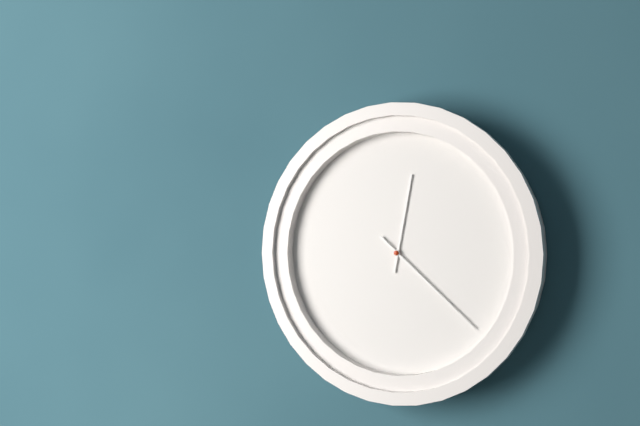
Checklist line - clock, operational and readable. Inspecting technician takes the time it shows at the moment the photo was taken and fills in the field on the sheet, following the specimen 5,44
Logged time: 12,22
